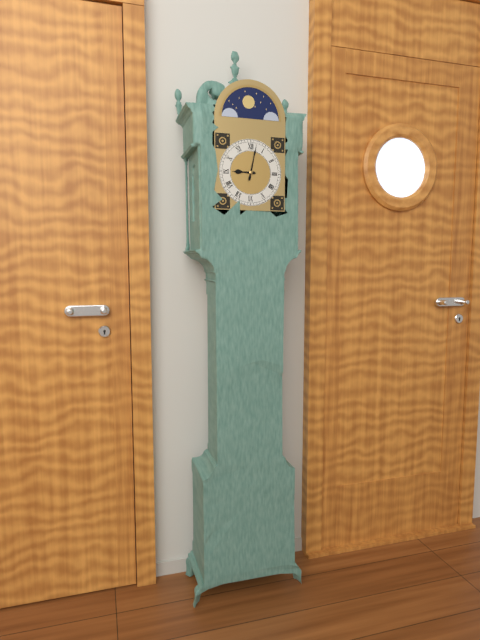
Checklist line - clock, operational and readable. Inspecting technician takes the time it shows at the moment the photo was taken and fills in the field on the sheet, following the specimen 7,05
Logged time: 9,02
